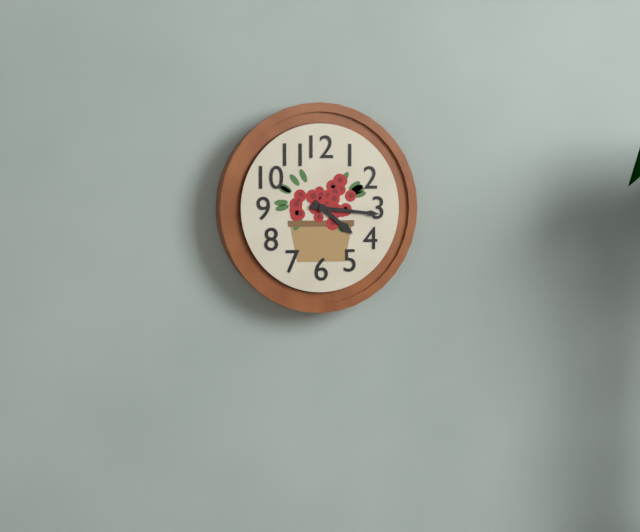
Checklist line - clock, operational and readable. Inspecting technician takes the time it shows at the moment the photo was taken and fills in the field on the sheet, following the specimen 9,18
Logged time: 4,16
